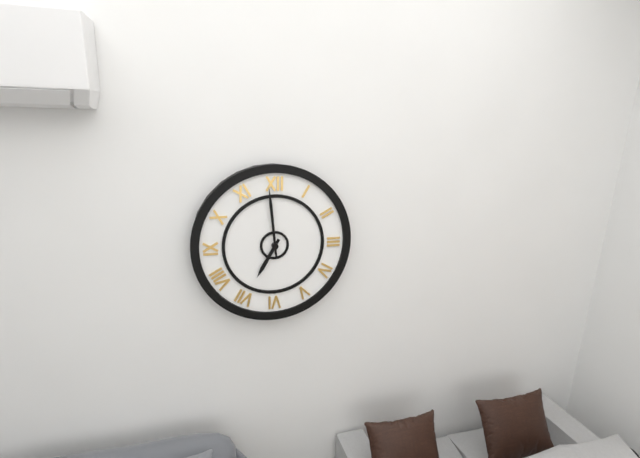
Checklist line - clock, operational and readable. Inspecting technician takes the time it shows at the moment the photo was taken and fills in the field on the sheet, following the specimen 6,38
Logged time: 6,59
